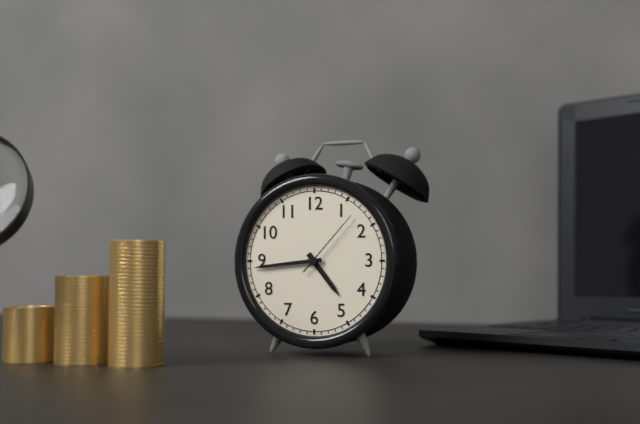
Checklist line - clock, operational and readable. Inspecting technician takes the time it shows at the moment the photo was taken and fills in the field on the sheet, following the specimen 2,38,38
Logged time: 4,44,07
